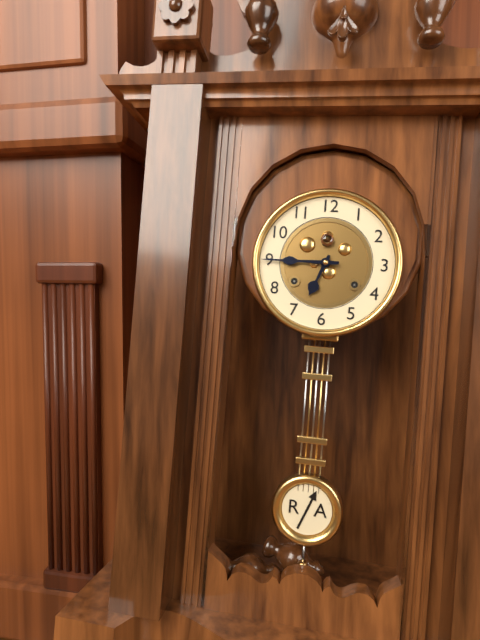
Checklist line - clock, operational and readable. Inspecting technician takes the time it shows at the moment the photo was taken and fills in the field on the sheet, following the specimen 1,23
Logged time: 6,45
